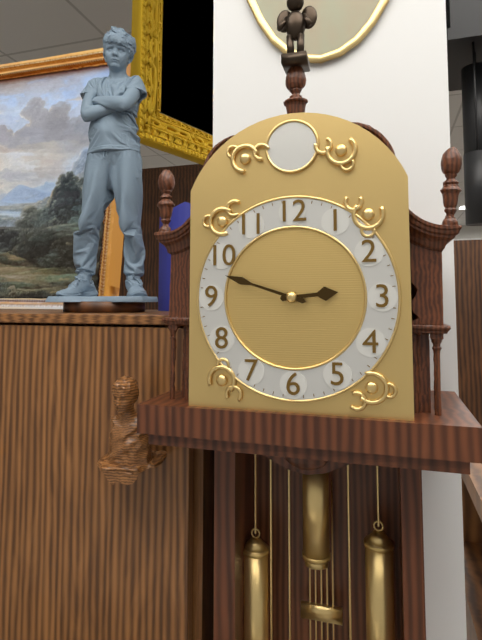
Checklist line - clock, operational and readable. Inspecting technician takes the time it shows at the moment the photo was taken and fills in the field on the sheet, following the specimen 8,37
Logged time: 2,48
